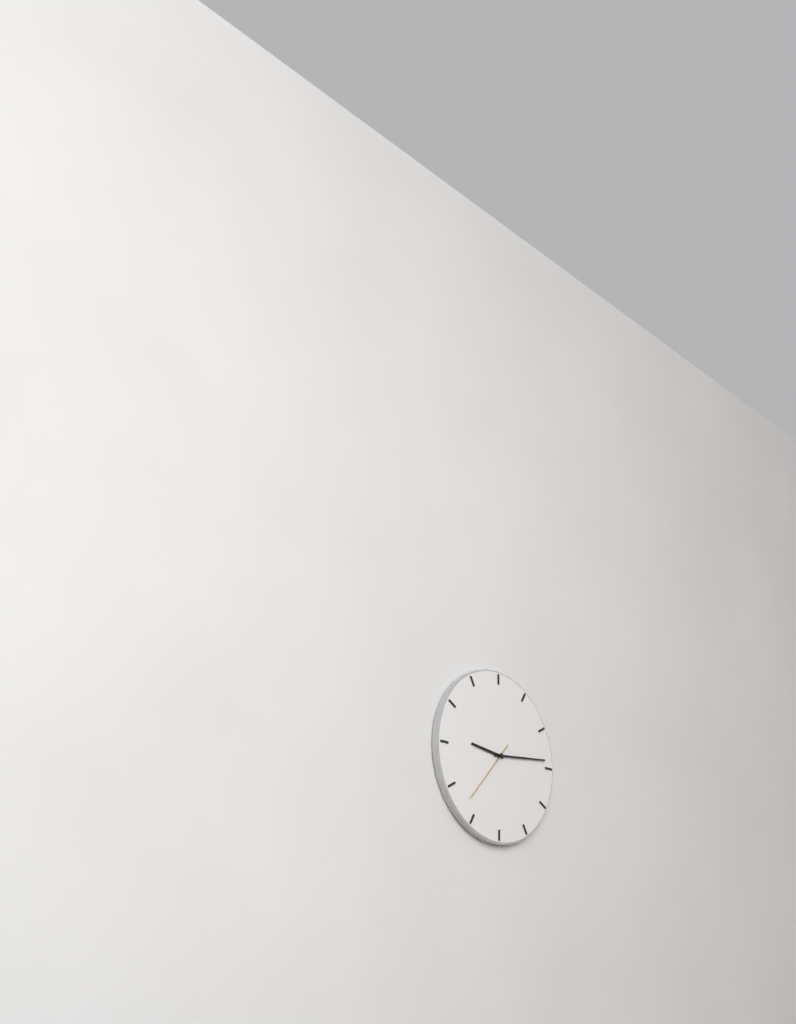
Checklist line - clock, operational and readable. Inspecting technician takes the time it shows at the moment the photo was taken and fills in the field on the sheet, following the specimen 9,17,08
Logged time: 9,14,37
